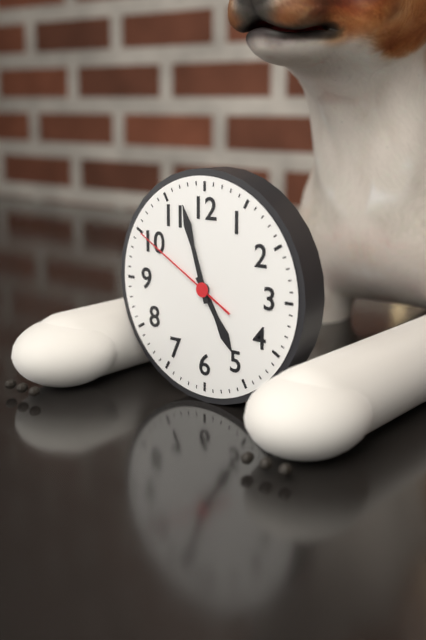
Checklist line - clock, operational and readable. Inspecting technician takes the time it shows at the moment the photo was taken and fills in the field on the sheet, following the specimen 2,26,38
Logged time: 4,57,50
